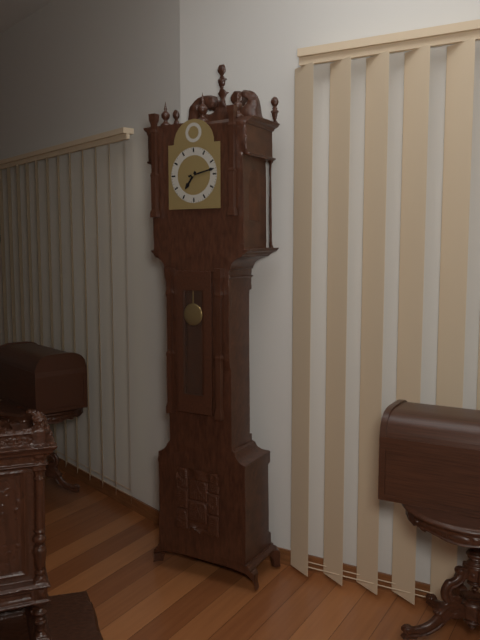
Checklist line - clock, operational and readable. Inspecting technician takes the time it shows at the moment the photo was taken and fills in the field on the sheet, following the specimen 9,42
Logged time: 7,13
